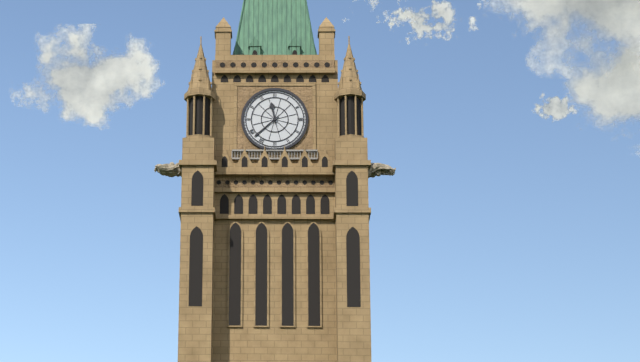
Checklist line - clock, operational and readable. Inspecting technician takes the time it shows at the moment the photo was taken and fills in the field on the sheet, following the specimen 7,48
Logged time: 11,38
